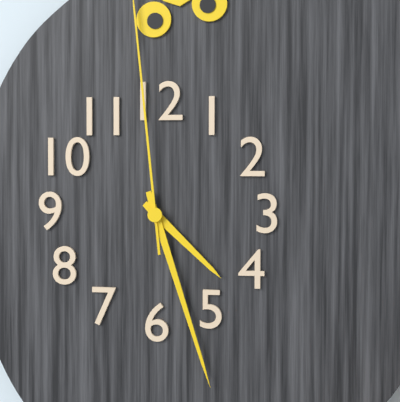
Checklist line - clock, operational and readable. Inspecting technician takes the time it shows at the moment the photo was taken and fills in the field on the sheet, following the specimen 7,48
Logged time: 4,27
